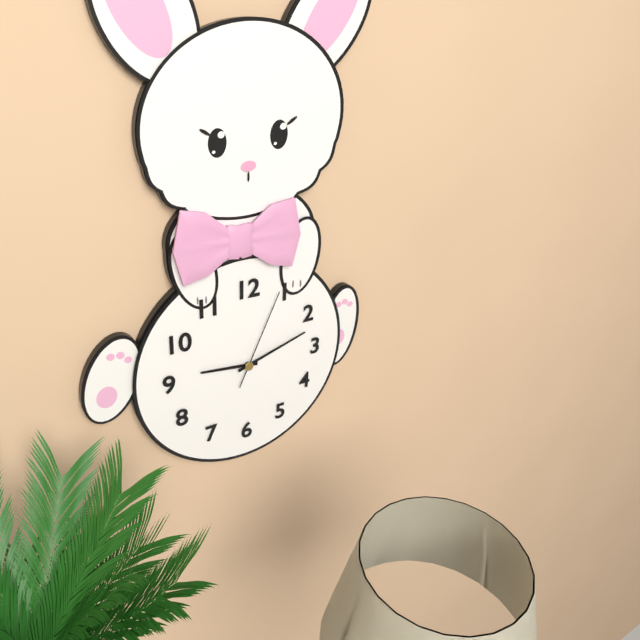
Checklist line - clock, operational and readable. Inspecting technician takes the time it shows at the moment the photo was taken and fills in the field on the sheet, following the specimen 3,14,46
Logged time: 9,12,04
